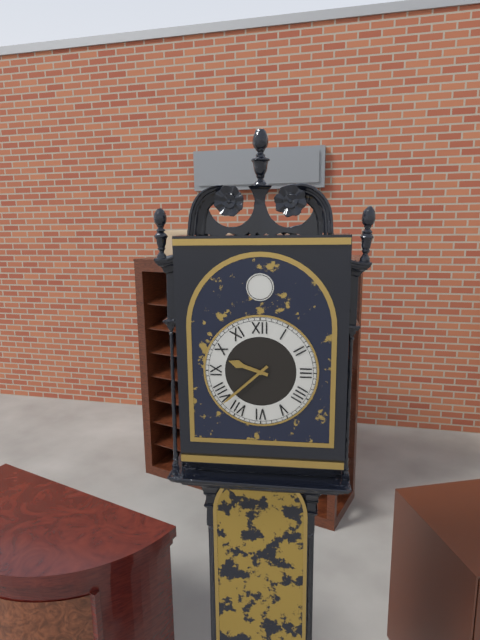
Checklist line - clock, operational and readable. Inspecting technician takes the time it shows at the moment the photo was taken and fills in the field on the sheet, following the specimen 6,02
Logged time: 9,38
